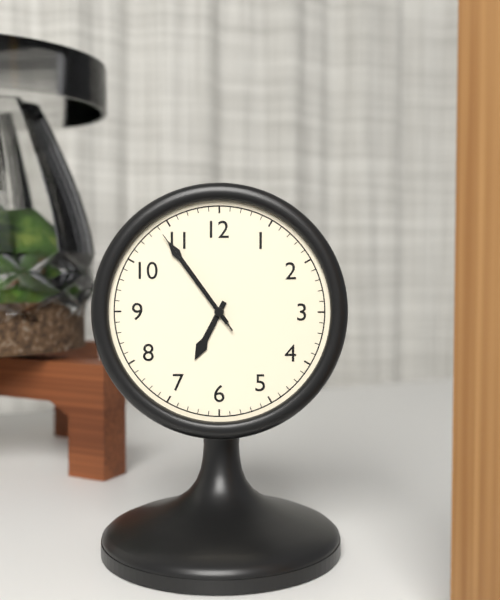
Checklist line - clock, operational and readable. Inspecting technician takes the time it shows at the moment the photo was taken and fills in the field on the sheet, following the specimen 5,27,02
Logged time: 6,54,54
